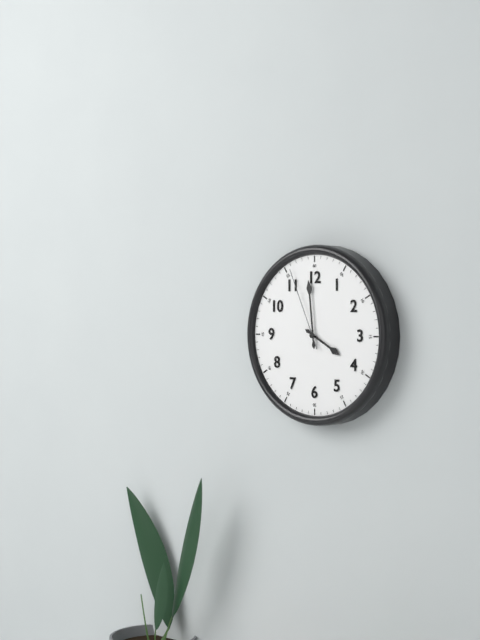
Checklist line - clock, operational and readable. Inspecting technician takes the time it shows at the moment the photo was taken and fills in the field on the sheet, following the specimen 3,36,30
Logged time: 3,59,56
